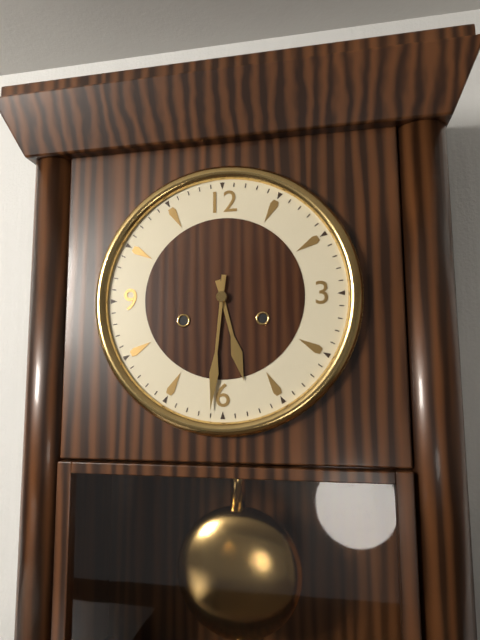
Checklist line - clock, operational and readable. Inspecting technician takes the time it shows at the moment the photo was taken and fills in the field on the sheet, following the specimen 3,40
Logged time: 5,31
